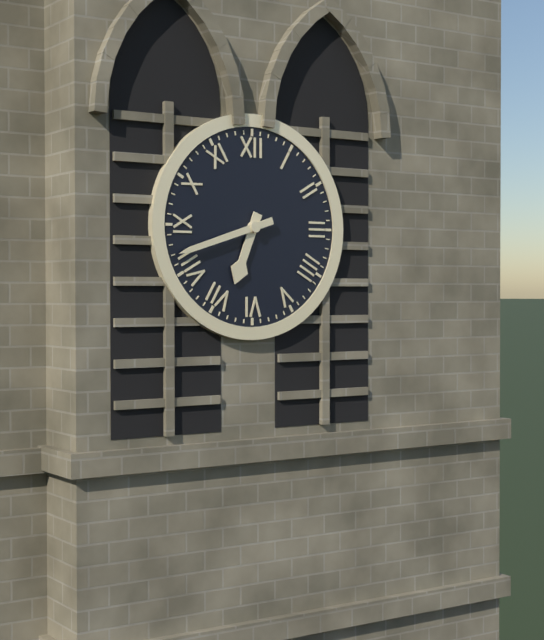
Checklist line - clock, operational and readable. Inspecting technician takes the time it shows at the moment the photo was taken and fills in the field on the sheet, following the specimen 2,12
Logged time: 6,42
